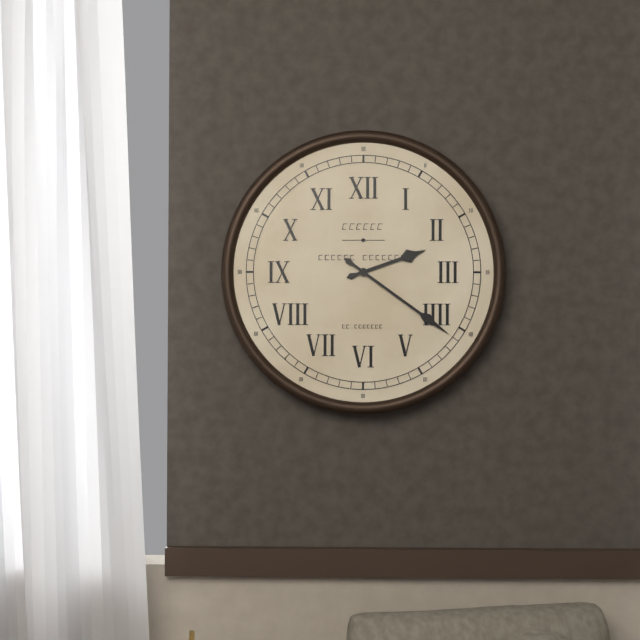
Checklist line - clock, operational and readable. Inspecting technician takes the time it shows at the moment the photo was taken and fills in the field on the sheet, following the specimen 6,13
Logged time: 2,21
